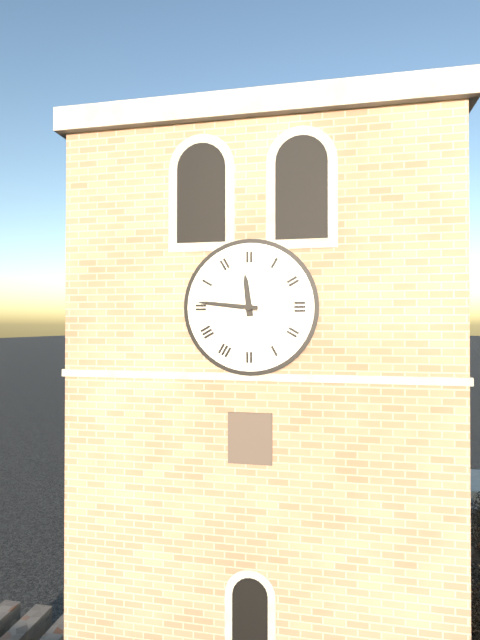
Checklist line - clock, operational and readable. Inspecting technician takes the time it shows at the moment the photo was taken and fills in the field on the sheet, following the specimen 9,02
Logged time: 11,46
